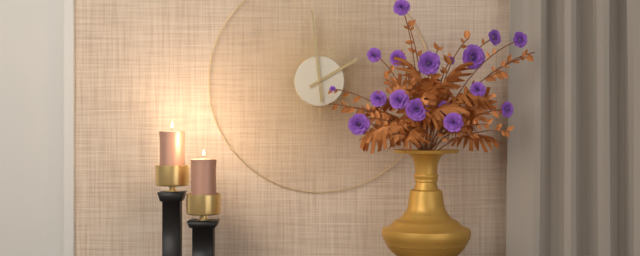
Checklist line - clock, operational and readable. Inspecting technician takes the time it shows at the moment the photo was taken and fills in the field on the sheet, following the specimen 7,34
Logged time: 1,59
